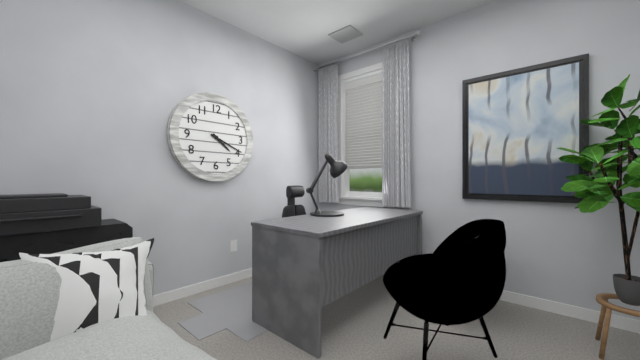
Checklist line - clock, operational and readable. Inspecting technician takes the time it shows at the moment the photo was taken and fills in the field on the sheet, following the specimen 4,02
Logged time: 4,19
